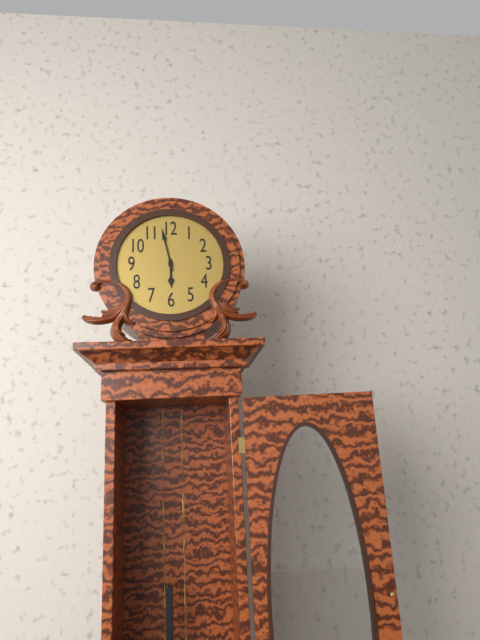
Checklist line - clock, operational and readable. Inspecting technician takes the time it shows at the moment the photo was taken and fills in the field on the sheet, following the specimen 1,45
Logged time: 5,58
